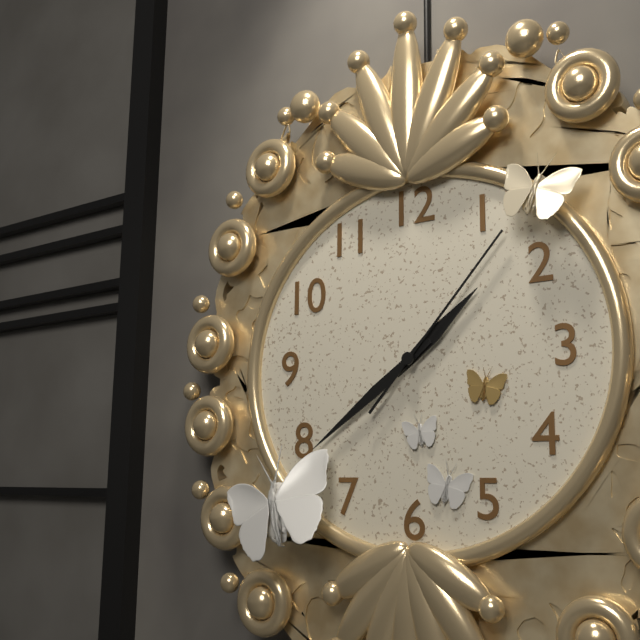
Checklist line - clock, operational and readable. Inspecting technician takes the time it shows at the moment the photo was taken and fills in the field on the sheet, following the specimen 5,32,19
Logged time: 1,39,07
